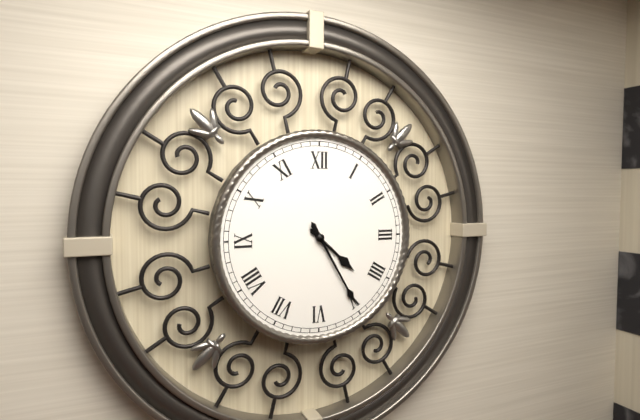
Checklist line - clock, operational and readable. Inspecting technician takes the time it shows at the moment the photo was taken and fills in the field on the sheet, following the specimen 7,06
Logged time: 4,25
